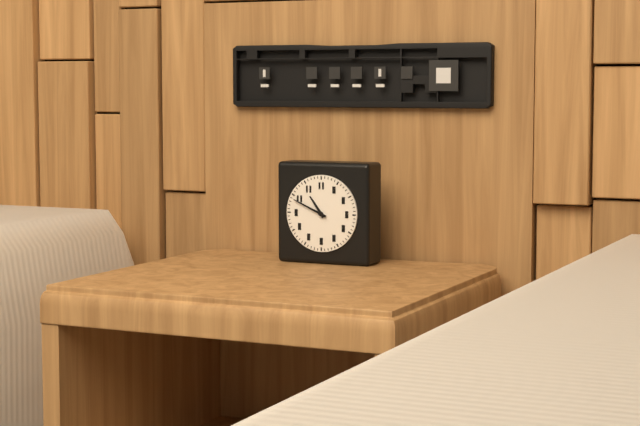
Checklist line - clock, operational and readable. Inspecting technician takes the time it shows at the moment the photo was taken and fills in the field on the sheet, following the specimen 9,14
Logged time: 10,49
